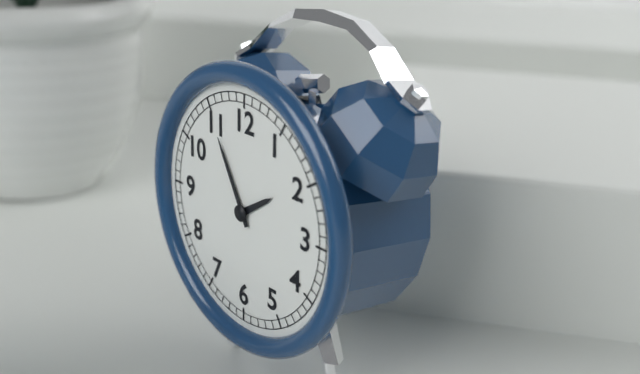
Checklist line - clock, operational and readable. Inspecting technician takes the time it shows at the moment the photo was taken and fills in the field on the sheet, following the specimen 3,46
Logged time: 1,55
